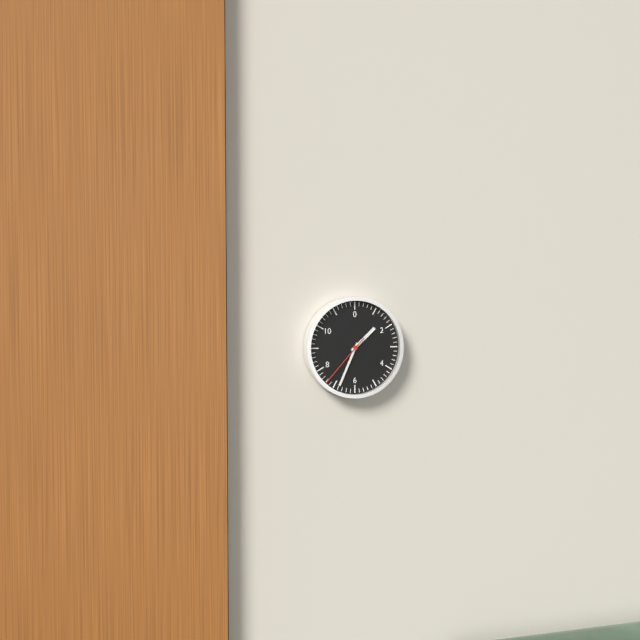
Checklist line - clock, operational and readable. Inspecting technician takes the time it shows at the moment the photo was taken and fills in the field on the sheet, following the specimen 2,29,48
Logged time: 1,34,37
